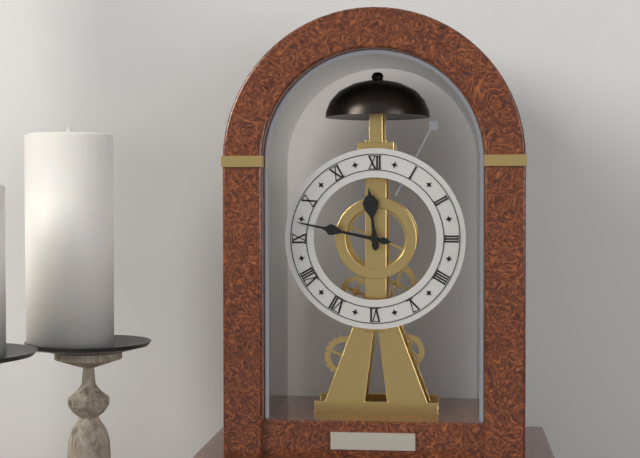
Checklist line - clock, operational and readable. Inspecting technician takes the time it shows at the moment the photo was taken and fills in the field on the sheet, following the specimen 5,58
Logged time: 11,47
